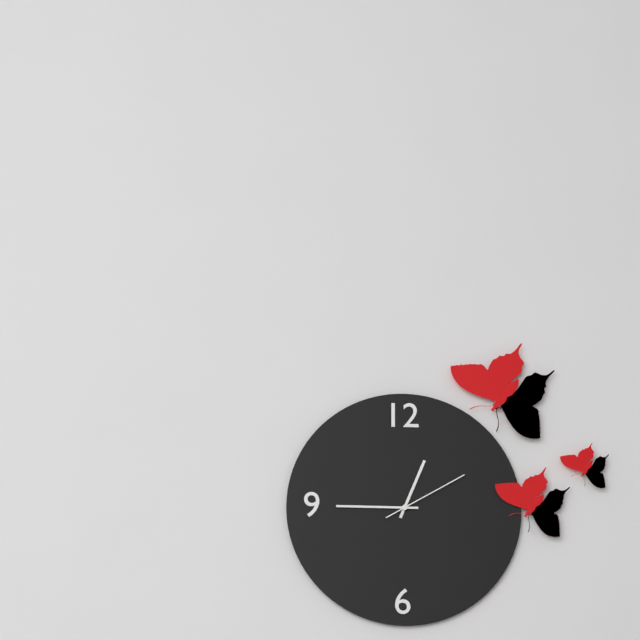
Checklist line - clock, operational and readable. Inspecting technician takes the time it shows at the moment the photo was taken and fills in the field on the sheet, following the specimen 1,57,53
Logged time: 12,45,10
